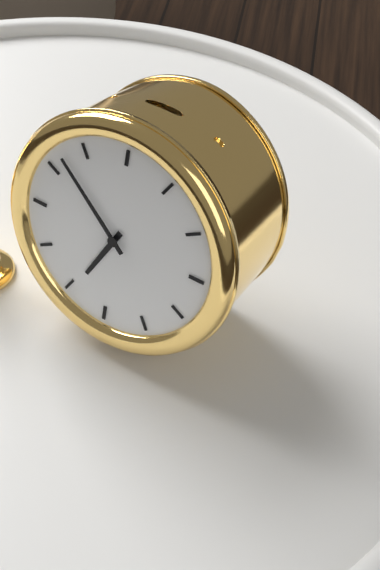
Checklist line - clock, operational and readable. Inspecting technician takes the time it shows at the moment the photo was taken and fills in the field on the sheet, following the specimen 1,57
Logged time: 6,52
